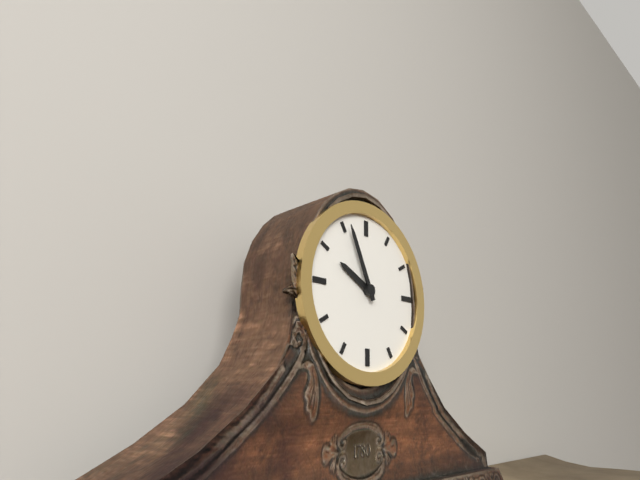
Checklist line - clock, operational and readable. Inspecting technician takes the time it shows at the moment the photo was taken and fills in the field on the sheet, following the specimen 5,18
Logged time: 9,56
